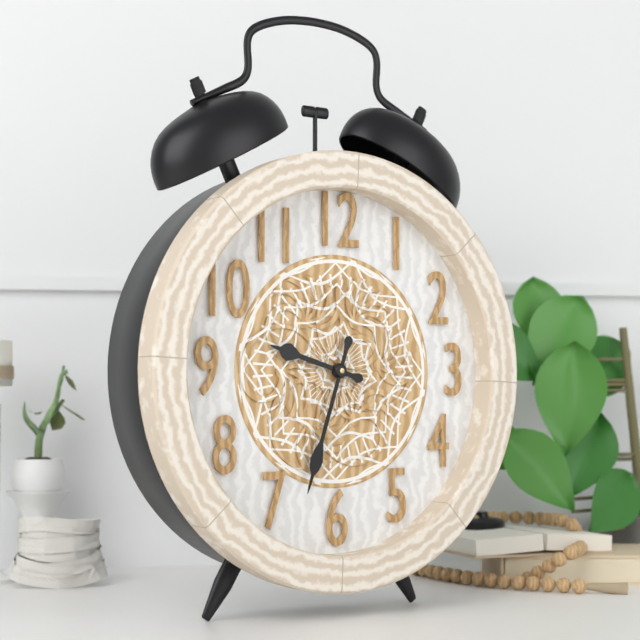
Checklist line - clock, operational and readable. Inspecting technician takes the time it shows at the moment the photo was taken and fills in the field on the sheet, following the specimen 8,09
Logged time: 9,33
